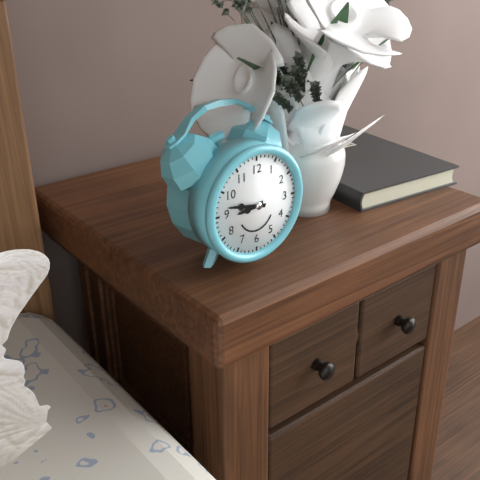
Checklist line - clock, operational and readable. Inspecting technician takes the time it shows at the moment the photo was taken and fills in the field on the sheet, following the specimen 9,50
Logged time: 8,47
